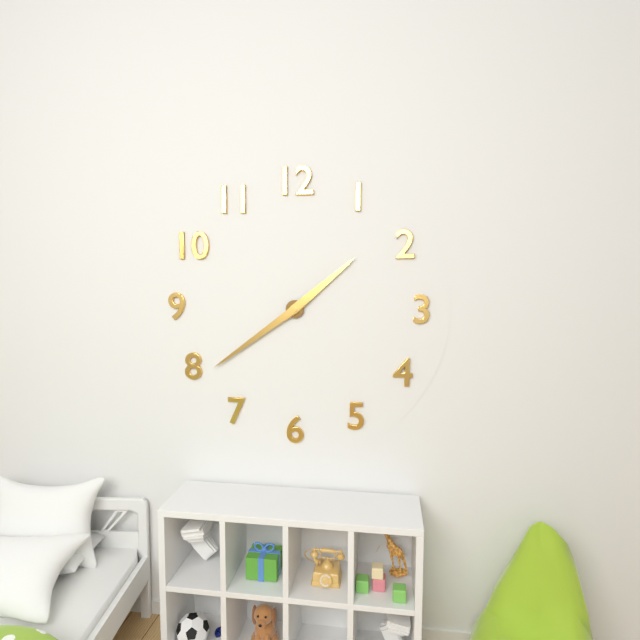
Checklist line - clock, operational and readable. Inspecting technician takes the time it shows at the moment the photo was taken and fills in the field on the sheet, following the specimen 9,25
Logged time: 1,39
